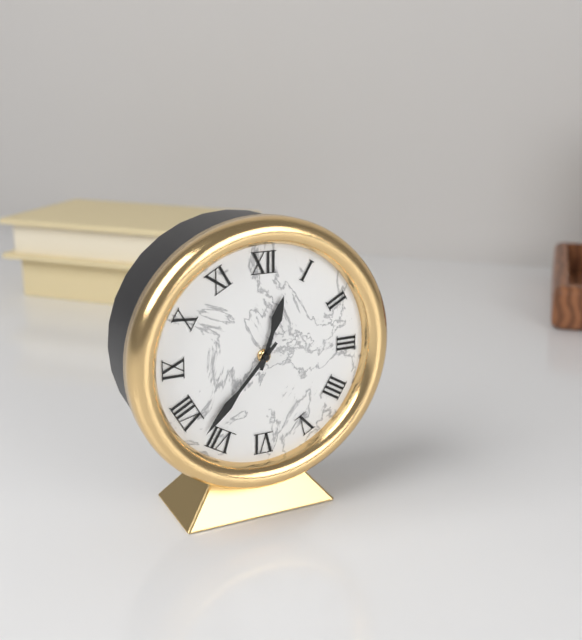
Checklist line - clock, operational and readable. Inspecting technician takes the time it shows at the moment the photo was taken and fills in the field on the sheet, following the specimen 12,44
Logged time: 12,37
